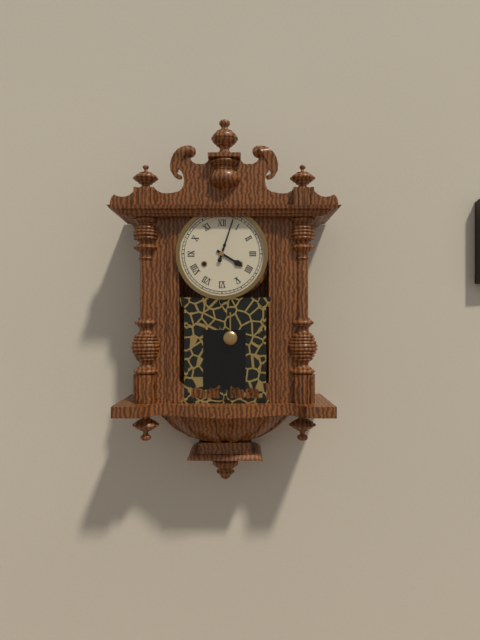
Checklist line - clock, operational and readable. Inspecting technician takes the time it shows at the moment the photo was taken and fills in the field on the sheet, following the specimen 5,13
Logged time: 4,03
